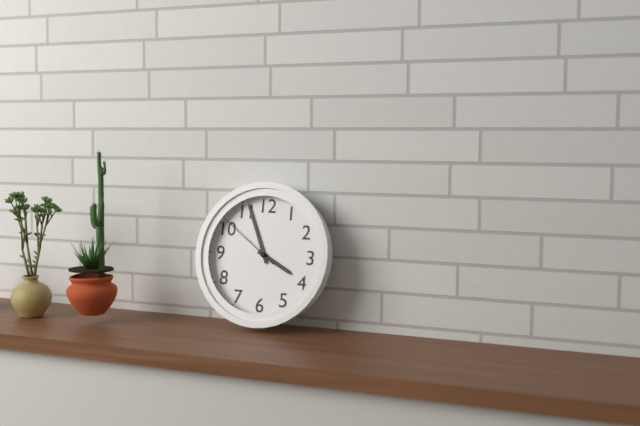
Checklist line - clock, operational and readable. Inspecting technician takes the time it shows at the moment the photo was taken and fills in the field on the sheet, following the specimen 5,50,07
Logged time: 3,56,51
